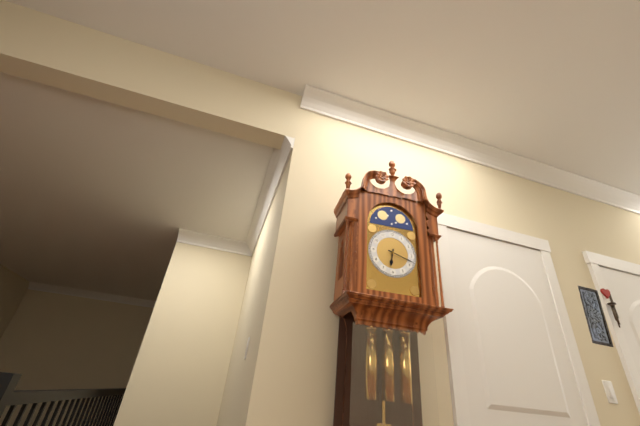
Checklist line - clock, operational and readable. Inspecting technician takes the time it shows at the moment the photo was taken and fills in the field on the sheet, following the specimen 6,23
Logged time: 6,18
